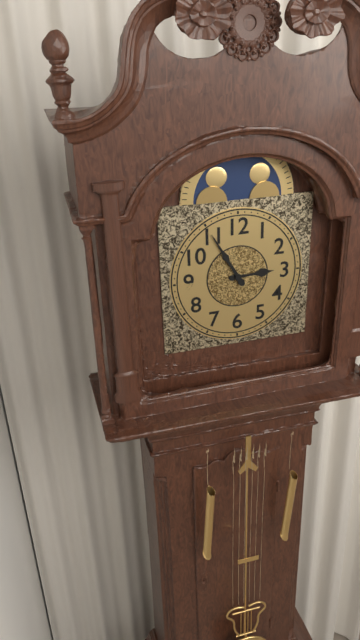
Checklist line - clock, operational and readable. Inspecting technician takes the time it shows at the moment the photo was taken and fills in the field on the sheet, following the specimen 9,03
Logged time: 2,55
